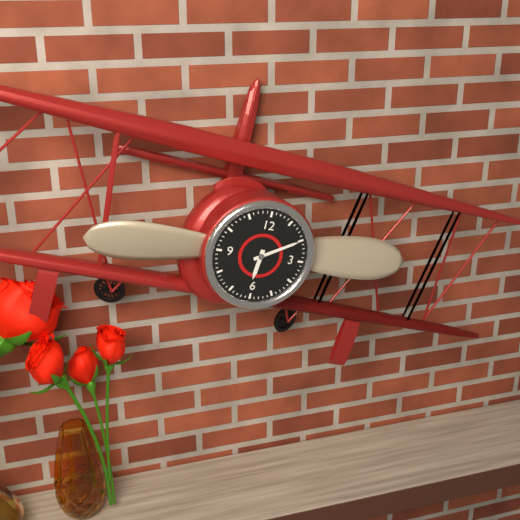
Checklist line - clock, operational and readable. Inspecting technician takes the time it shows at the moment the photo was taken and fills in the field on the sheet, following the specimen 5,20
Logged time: 6,10
